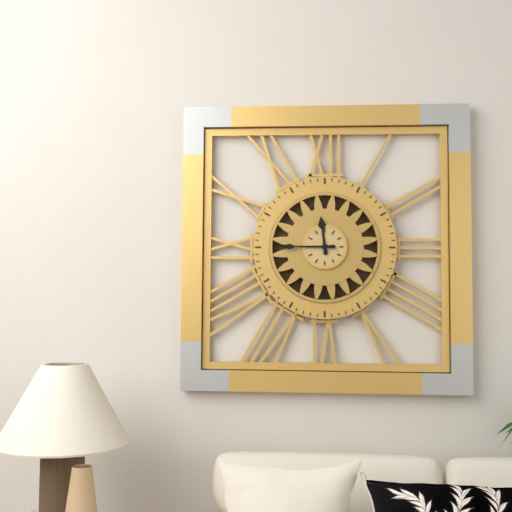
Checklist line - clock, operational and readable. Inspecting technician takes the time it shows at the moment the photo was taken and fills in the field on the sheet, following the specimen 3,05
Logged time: 11,45
